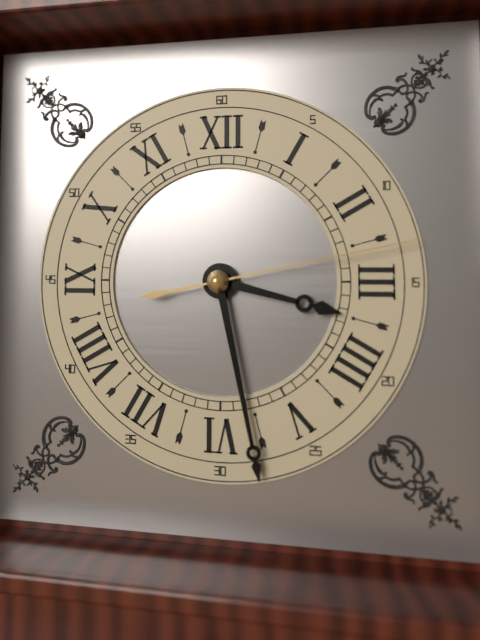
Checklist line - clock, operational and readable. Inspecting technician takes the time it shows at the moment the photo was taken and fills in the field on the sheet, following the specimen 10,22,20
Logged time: 3,28,13
